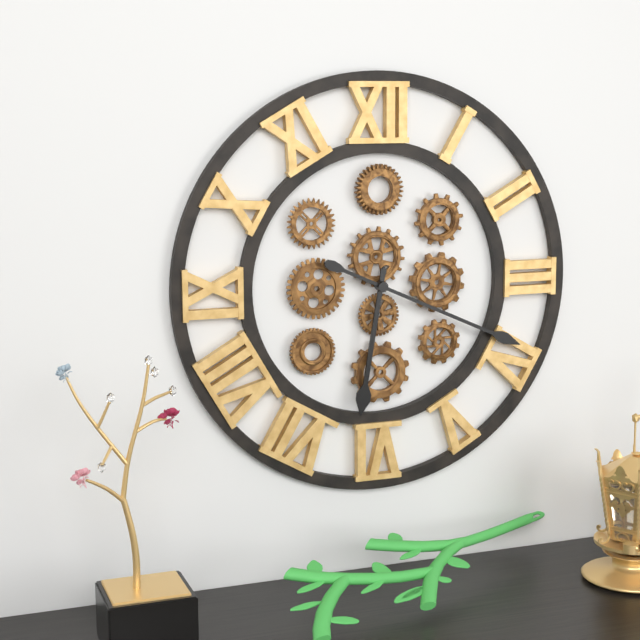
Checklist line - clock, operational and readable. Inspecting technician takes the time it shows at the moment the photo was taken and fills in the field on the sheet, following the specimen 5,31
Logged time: 6,19
